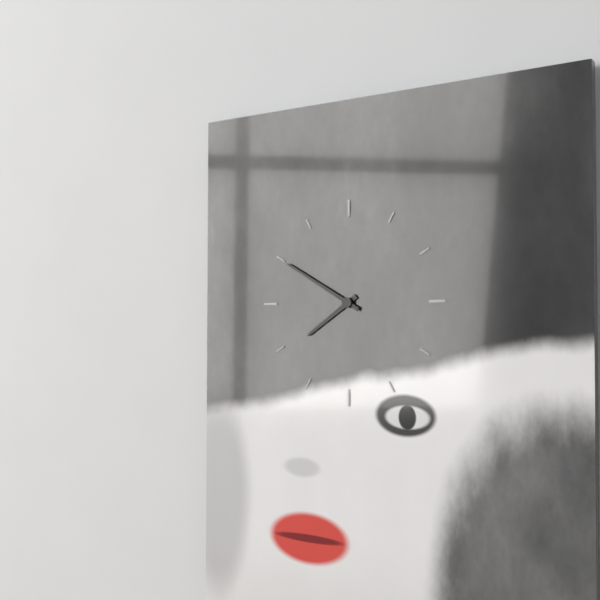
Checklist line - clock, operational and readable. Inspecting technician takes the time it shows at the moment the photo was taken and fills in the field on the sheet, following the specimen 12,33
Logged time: 7,50
